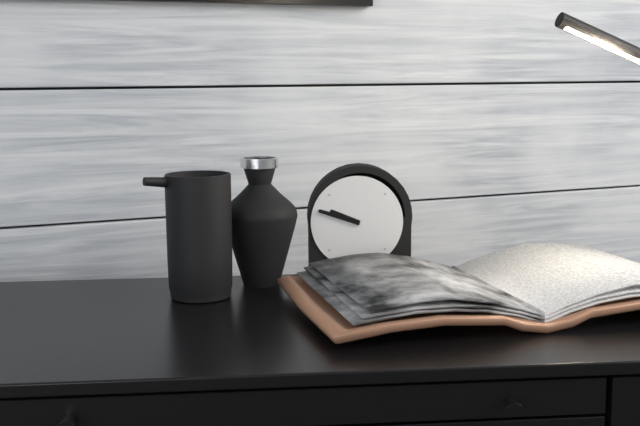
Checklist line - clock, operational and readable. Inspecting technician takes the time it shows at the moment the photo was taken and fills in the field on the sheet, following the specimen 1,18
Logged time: 9,48
